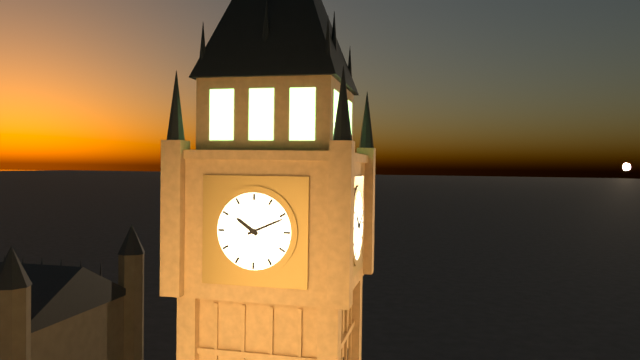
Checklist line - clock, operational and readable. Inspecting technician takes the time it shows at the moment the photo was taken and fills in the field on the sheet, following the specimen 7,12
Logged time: 10,11
